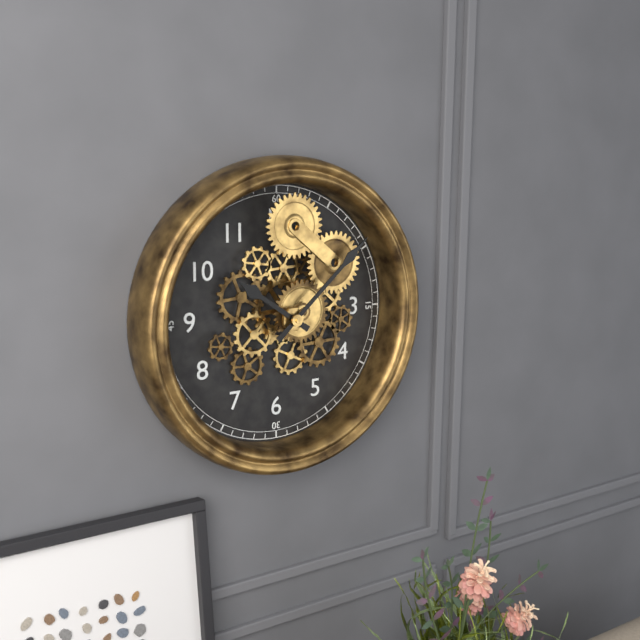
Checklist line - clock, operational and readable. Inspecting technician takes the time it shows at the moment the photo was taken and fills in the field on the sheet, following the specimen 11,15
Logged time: 10,08
